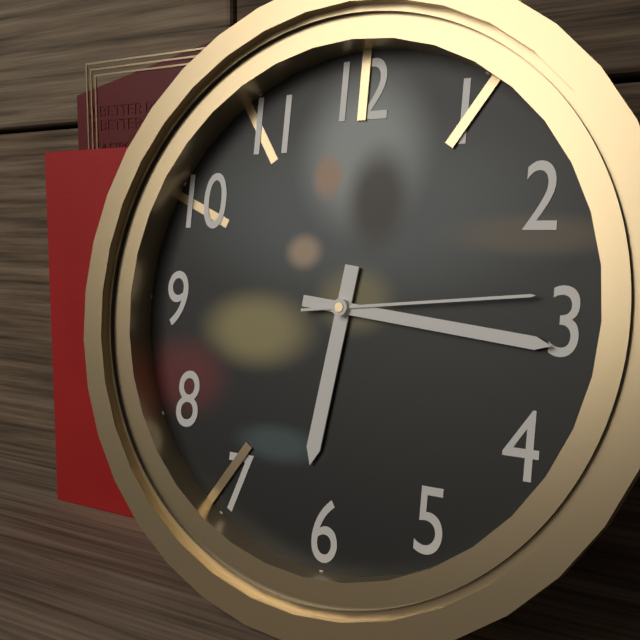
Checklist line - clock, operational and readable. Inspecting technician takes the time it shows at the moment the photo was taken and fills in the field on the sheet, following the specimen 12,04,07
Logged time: 6,16,14
